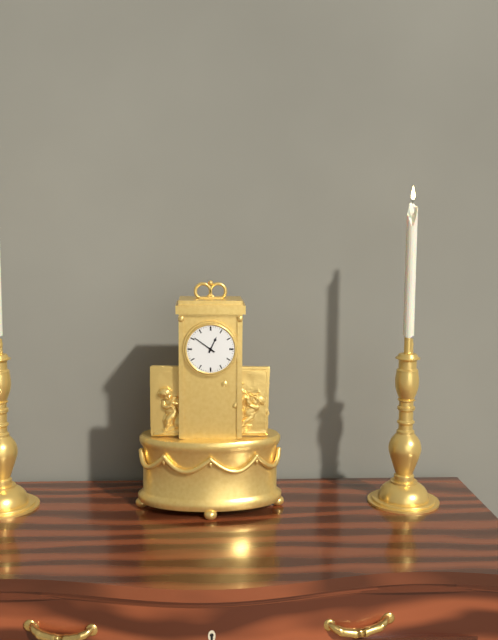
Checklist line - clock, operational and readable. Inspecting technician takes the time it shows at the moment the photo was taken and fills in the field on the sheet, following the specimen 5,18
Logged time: 12,51
